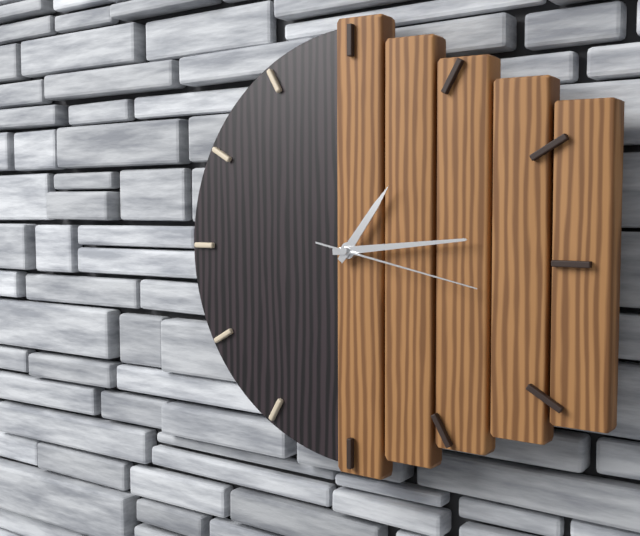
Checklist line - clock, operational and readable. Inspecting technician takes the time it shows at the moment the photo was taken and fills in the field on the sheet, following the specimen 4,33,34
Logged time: 1,14,17
